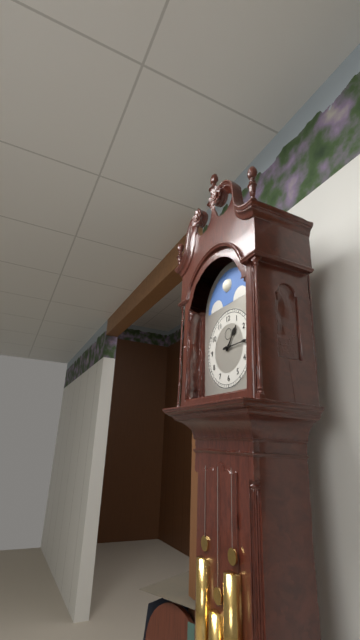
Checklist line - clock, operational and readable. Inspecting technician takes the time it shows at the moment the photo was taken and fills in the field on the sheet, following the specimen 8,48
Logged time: 1,15
